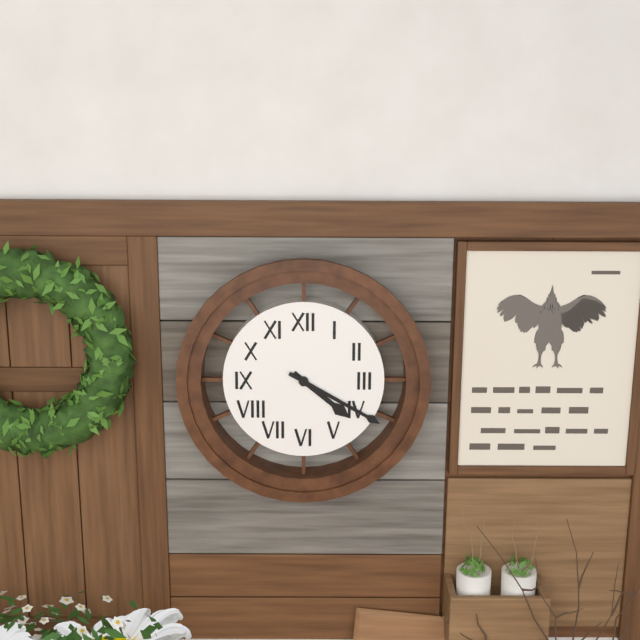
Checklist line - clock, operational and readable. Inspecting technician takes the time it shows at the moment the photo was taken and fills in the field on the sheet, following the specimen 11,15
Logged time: 4,20
